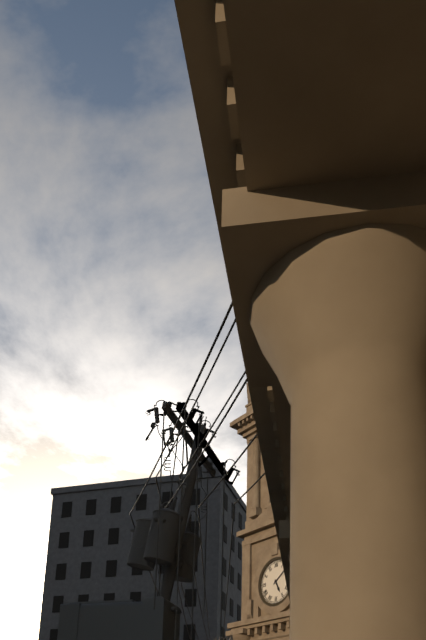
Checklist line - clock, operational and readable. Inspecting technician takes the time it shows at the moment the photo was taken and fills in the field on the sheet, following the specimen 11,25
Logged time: 5,09
